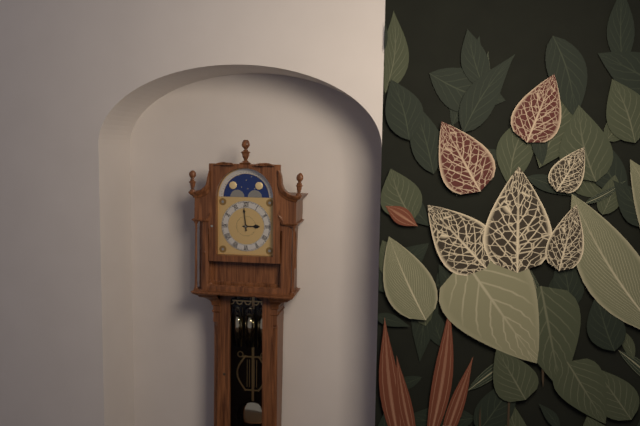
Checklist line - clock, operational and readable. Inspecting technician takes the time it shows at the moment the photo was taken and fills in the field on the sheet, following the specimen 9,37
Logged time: 2,59
